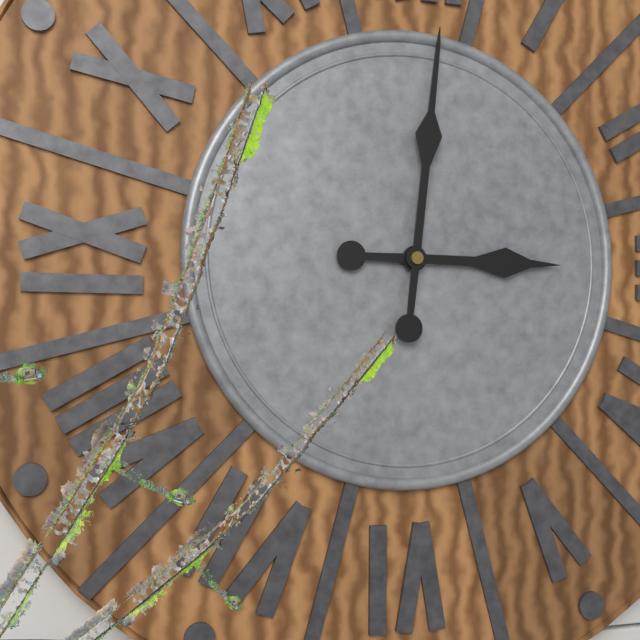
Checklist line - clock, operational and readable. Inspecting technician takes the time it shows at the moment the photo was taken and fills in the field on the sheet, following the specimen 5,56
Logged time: 3,01
